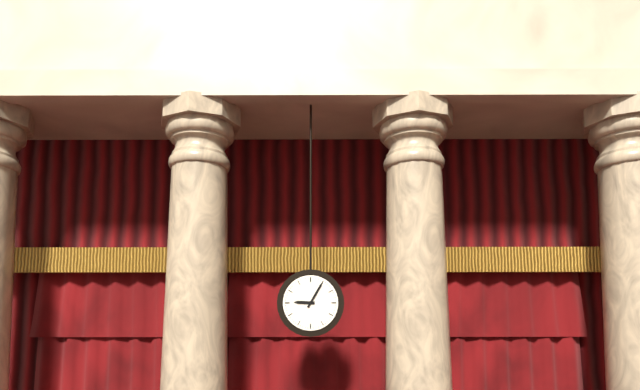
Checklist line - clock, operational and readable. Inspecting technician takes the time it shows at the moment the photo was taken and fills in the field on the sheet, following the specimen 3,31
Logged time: 9,05
